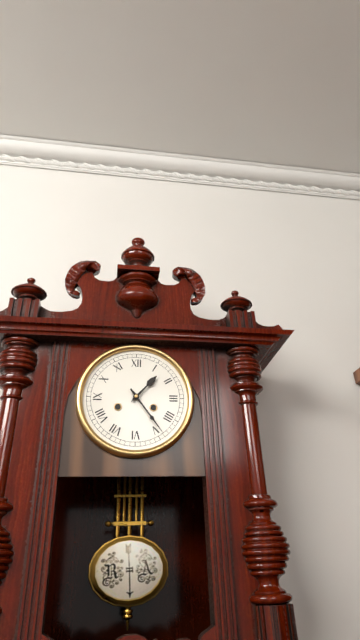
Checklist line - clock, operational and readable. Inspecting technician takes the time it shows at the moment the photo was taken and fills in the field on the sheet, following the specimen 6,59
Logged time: 1,24
